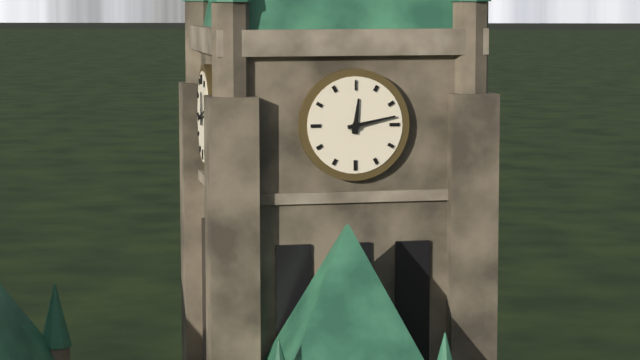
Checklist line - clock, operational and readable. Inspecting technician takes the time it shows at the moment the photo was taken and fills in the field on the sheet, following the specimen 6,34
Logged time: 12,13
